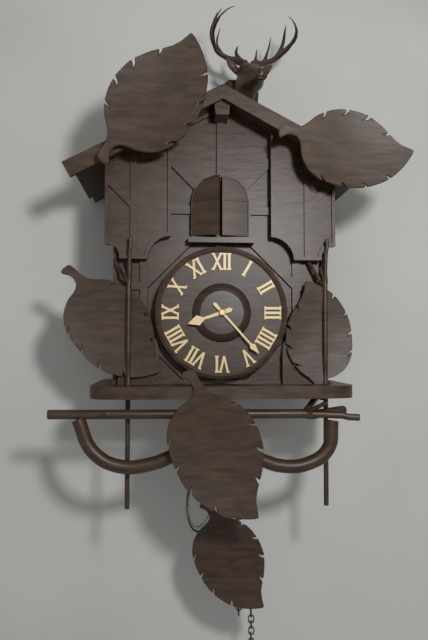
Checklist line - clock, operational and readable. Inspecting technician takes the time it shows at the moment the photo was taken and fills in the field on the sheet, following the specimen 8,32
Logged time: 8,23
